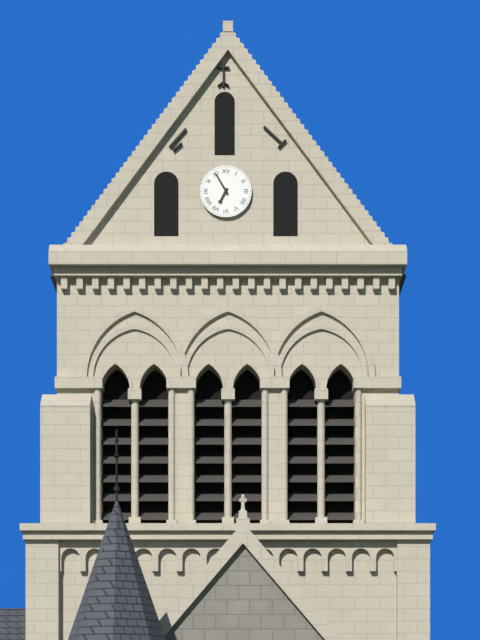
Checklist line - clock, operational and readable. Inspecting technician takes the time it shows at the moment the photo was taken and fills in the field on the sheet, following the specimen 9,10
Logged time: 6,55
